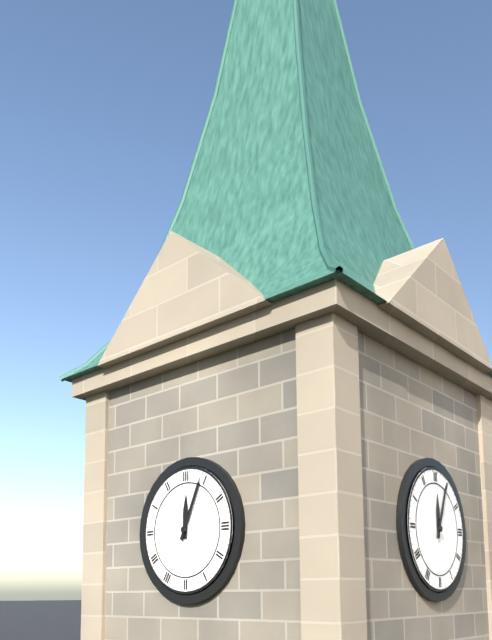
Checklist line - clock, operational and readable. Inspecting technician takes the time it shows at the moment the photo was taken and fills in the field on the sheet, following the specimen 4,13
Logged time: 12,04
